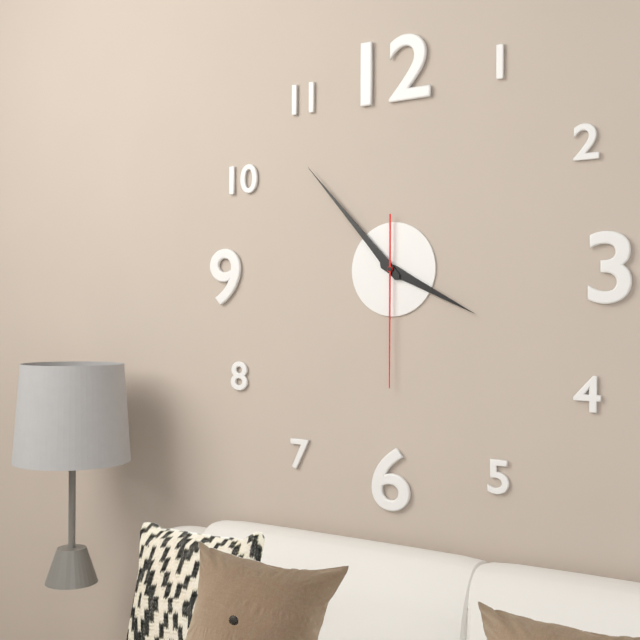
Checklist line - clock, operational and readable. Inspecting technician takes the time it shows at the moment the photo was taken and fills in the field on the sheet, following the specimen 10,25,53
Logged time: 3,53,30
